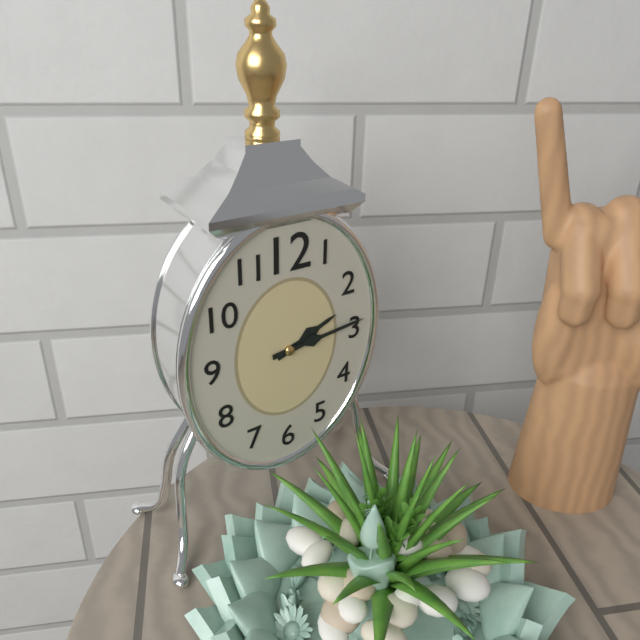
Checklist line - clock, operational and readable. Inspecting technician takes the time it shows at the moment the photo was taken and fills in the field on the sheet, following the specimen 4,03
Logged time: 2,14
